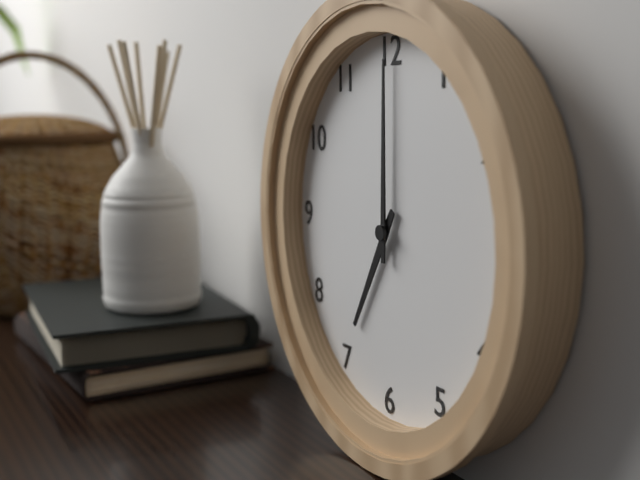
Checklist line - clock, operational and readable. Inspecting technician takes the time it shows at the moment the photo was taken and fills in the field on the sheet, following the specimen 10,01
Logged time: 7,00
